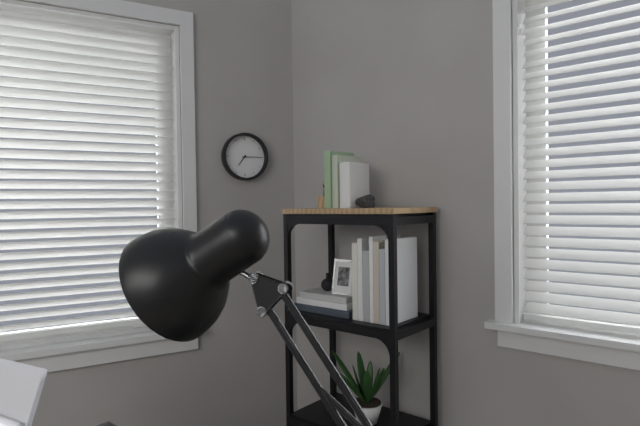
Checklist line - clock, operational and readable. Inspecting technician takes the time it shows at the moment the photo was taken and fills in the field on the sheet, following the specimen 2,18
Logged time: 7,15
